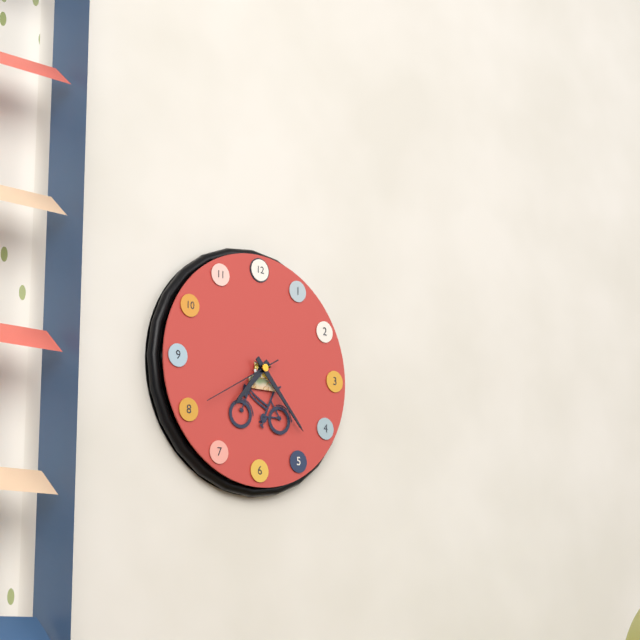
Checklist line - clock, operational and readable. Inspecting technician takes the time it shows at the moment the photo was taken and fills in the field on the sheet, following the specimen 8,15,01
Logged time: 7,23,40
